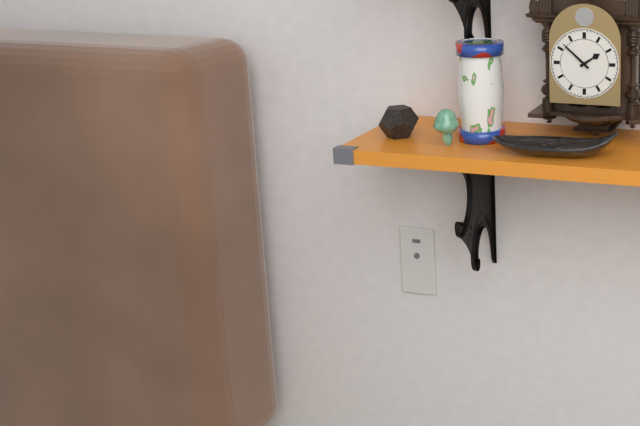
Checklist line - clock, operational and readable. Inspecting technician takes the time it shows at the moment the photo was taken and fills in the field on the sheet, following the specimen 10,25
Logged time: 1,52
